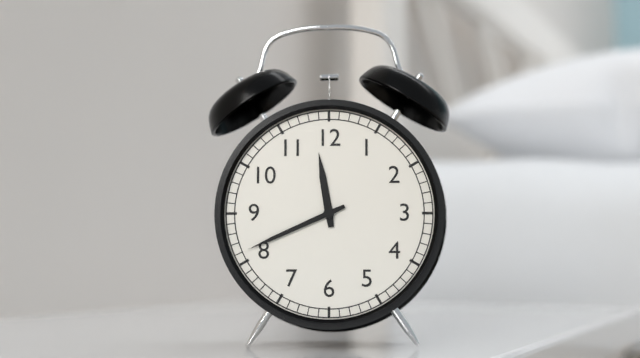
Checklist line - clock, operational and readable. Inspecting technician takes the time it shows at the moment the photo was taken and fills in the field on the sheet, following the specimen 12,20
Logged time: 11,41
